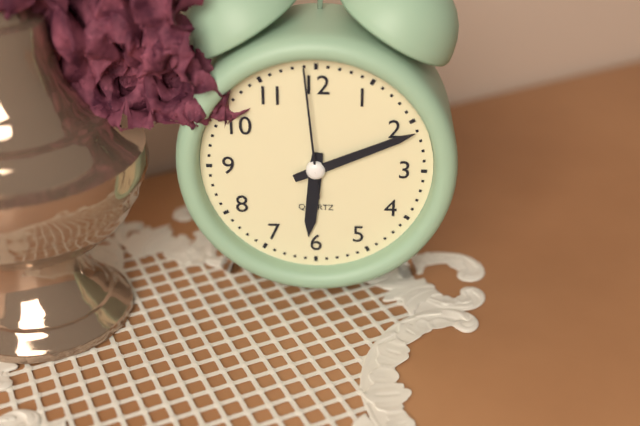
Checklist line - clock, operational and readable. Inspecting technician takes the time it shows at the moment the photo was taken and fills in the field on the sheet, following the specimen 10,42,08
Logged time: 6,11,59
